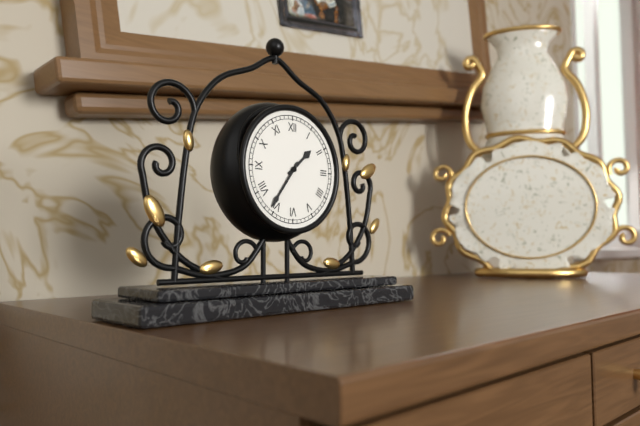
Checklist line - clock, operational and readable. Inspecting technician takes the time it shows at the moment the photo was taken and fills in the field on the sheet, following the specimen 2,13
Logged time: 1,36
